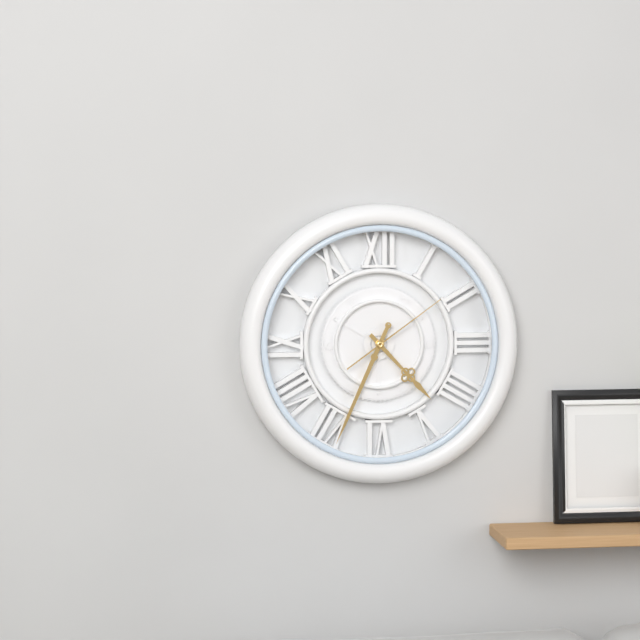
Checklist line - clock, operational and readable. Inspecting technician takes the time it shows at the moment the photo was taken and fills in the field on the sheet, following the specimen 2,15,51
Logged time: 4,34,09
